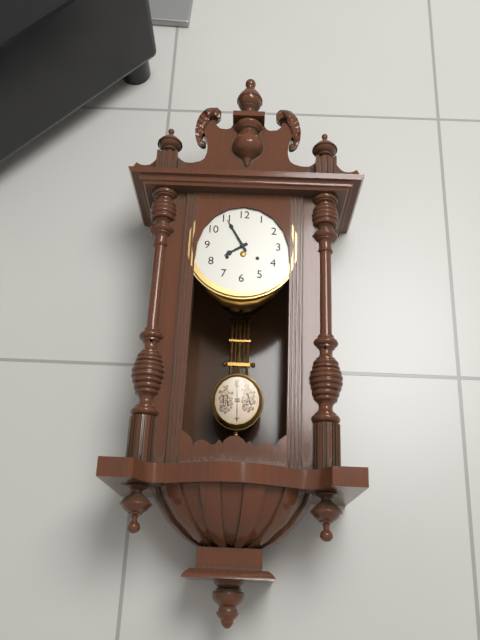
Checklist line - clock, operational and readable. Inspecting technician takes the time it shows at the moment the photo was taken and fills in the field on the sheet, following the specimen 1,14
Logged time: 7,55
